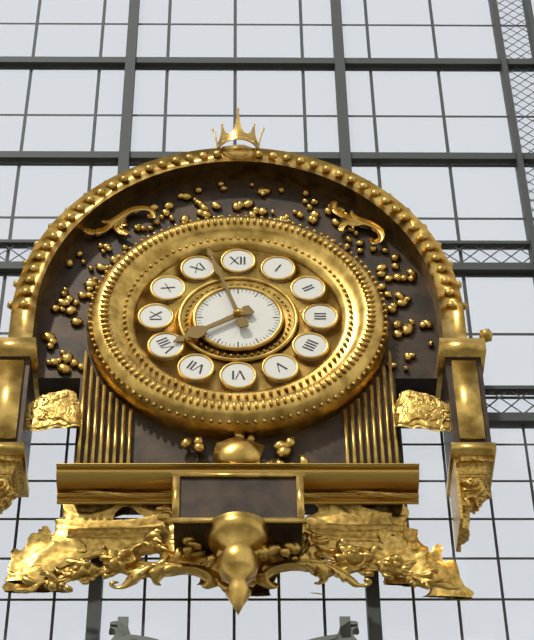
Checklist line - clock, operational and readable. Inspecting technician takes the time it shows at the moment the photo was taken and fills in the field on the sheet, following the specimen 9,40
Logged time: 7,57
